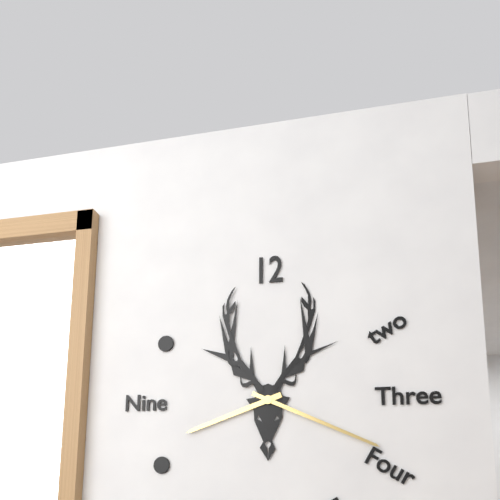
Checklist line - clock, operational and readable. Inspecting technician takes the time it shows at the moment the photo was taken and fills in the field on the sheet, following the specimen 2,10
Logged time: 8,19
